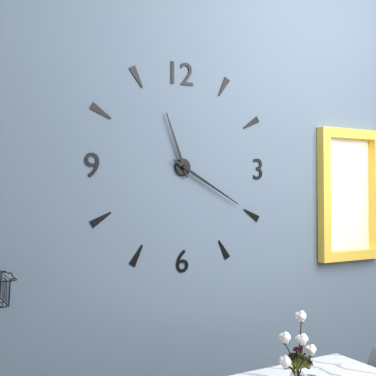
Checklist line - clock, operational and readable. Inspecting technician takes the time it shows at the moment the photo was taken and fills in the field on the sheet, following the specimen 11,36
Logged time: 11,20
